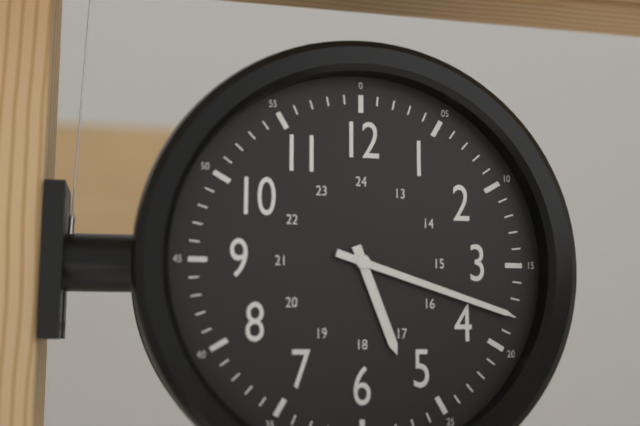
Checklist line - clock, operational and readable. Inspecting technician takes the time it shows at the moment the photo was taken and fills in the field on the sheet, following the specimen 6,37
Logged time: 5,18
